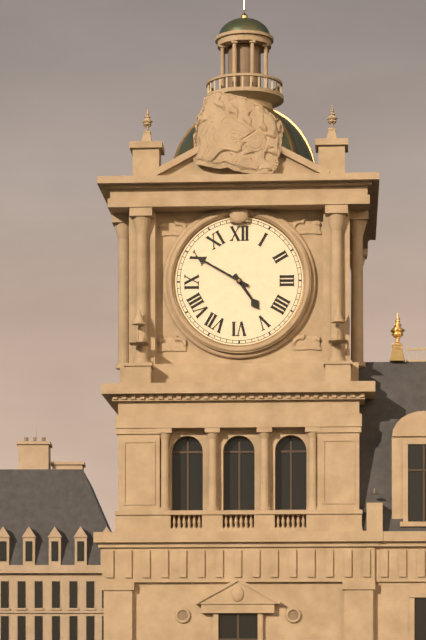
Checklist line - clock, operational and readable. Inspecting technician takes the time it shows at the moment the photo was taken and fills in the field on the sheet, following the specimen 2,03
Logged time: 4,50
